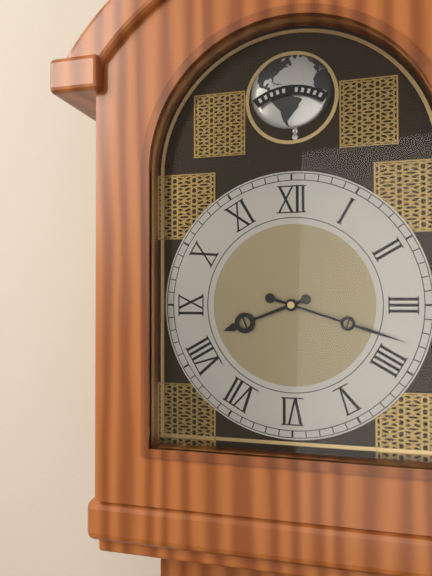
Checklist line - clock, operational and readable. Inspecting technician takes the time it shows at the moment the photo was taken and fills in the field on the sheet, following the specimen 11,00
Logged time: 8,18
